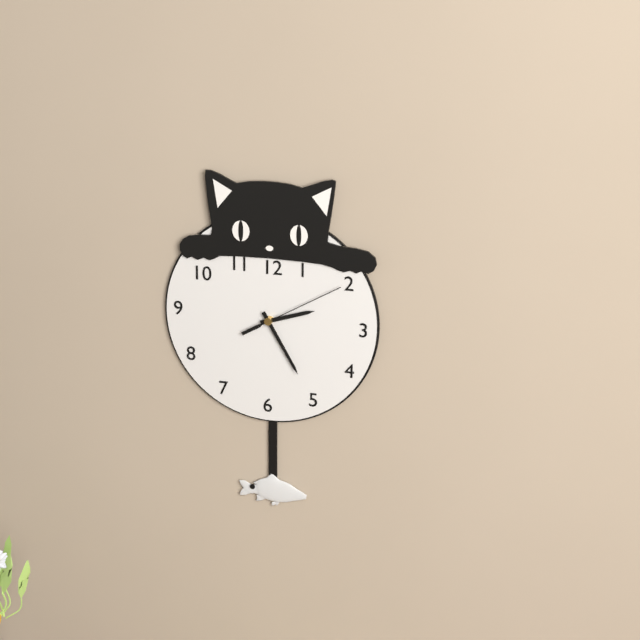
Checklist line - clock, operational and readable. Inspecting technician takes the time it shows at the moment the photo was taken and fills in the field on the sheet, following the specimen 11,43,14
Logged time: 2,25,10
